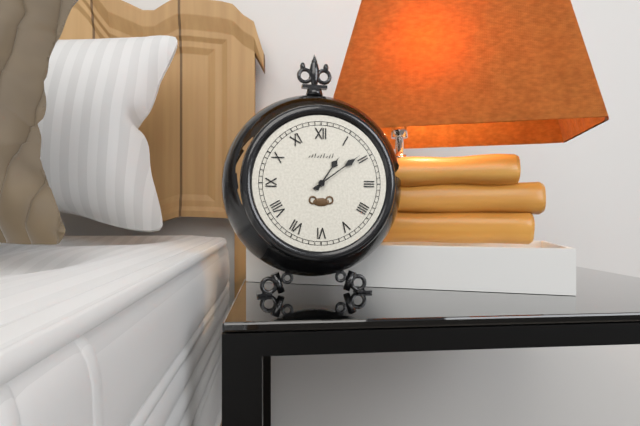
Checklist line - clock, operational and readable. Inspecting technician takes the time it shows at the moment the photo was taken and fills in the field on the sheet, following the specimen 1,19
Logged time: 1,09
